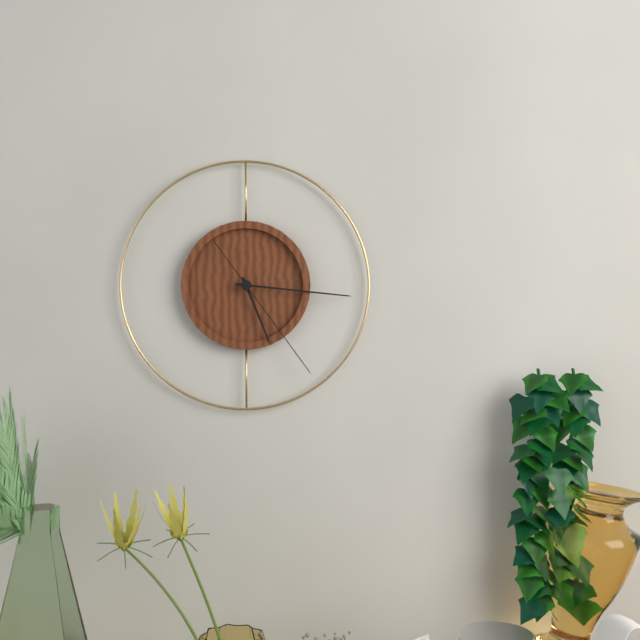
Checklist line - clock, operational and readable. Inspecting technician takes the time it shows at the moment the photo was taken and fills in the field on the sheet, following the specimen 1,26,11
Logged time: 5,16,24
